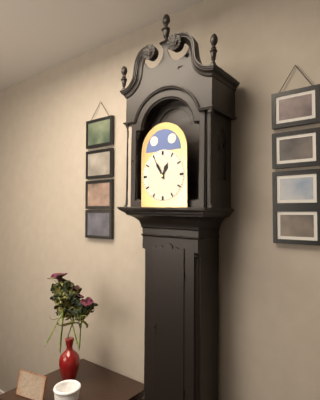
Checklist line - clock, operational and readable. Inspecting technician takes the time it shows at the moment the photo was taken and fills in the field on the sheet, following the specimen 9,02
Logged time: 12,55
